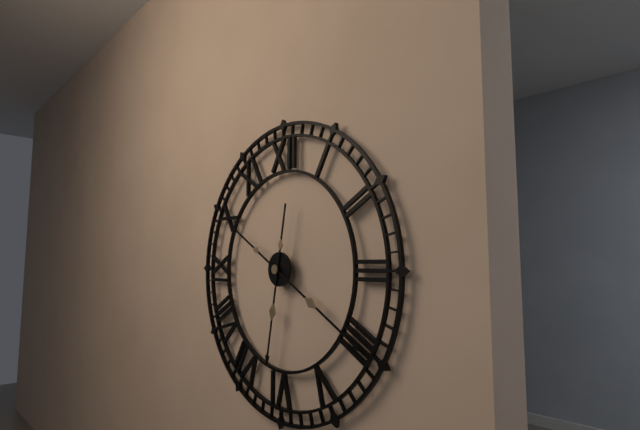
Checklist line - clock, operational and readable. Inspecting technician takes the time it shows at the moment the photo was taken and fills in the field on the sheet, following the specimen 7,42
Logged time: 6,20
